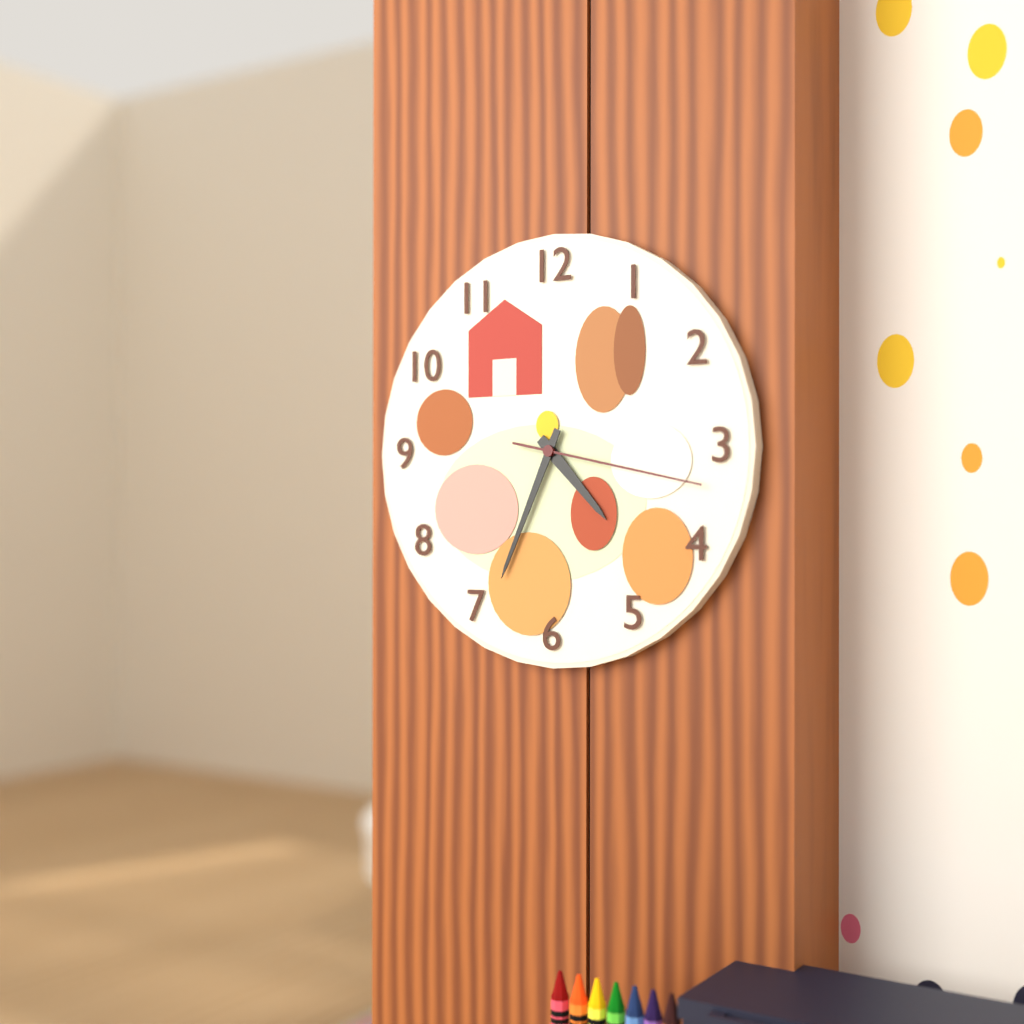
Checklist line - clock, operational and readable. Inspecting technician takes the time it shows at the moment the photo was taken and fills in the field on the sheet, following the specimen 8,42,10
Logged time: 4,34,17
